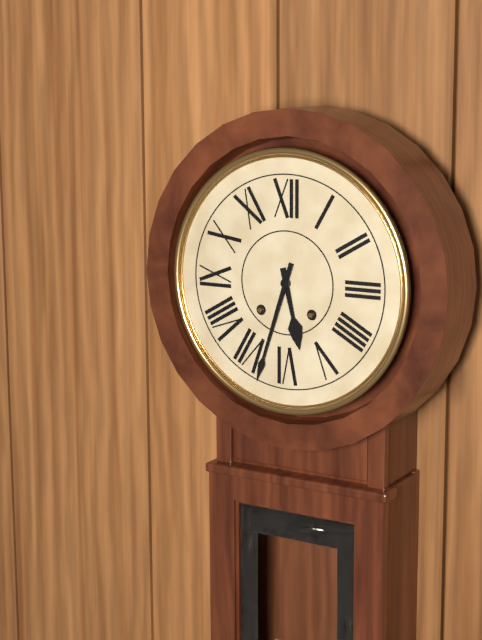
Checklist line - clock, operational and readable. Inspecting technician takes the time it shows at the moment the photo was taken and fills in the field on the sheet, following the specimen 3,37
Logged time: 5,33
